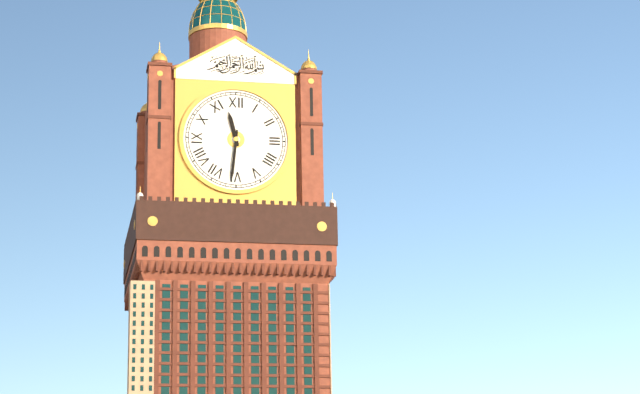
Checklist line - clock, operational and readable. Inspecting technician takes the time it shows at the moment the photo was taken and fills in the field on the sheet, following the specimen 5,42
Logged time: 11,31
